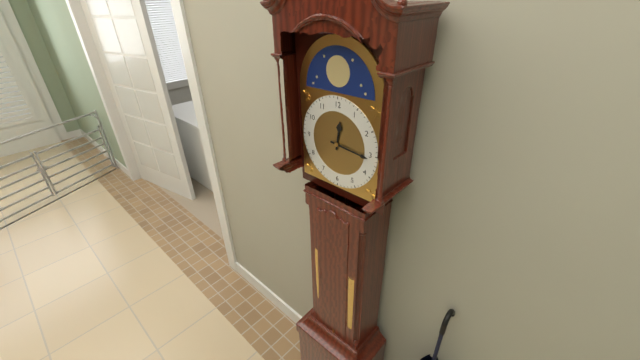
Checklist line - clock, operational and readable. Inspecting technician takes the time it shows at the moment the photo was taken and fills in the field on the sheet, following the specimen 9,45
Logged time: 12,16
